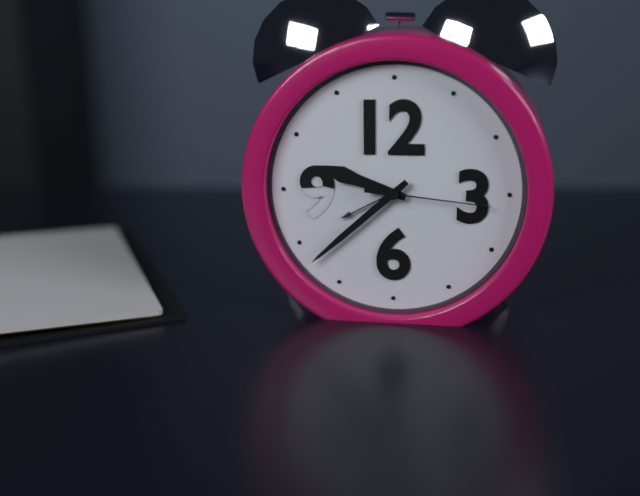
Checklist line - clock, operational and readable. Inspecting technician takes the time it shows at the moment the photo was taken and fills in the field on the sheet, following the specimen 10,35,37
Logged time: 9,38,16
